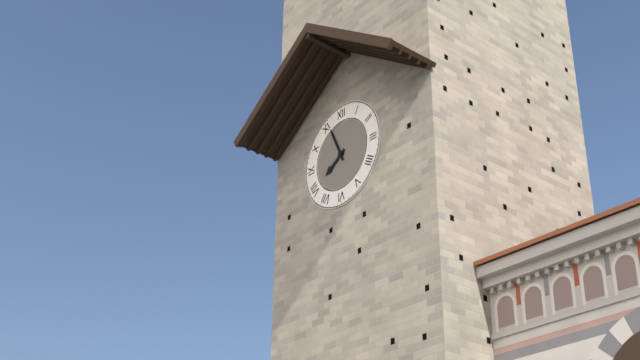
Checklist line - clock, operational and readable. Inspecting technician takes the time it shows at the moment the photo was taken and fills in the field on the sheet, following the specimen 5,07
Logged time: 7,56
